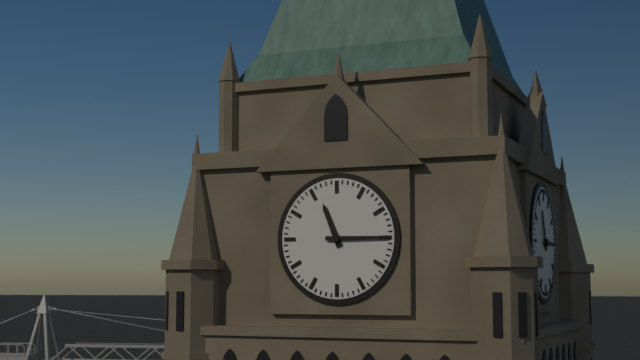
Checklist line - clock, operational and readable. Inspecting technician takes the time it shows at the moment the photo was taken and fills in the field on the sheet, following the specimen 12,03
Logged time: 11,15
